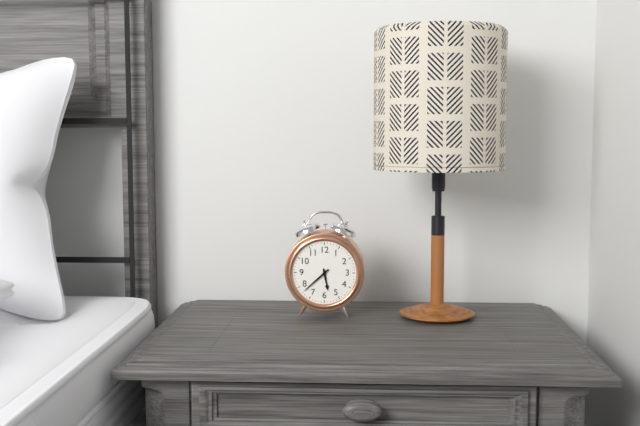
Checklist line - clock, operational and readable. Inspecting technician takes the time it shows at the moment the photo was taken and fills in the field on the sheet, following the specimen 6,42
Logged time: 5,38
